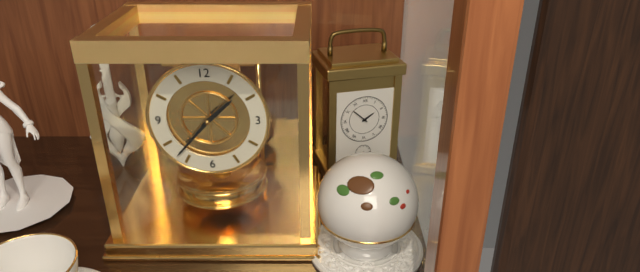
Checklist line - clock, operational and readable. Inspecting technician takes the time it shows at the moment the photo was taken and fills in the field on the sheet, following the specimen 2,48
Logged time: 1,37
